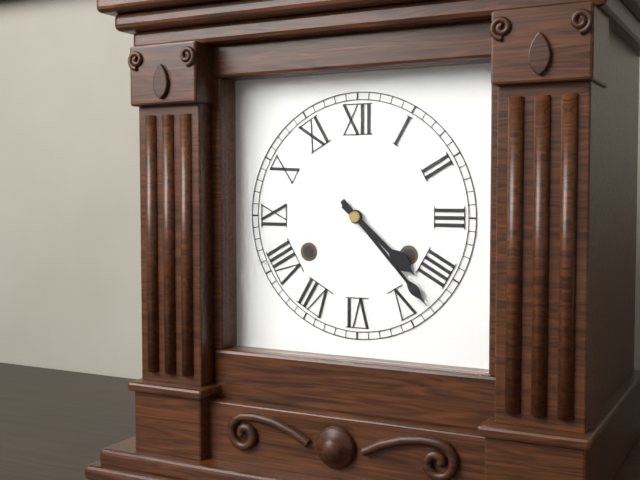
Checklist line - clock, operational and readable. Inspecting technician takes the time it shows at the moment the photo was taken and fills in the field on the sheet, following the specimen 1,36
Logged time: 4,23
